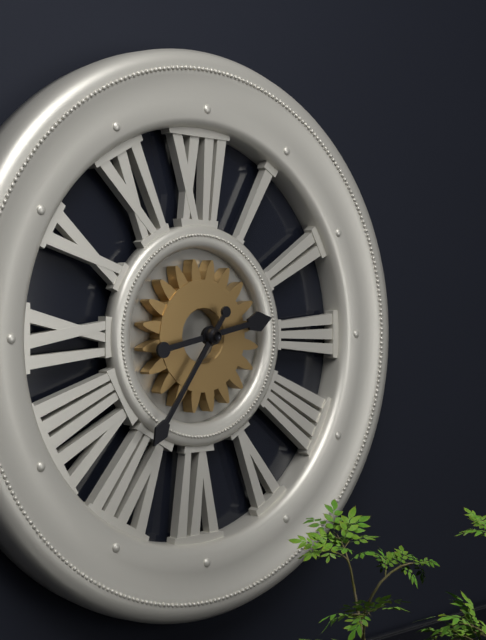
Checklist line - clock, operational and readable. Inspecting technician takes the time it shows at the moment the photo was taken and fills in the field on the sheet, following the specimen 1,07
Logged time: 2,36
